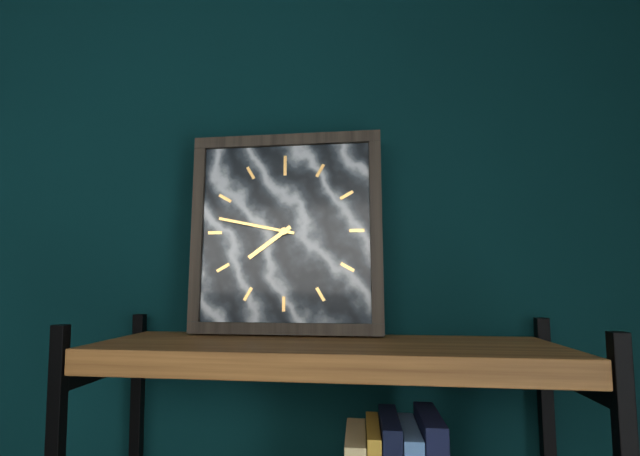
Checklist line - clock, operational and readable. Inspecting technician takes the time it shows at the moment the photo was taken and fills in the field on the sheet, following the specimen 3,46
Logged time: 7,47
